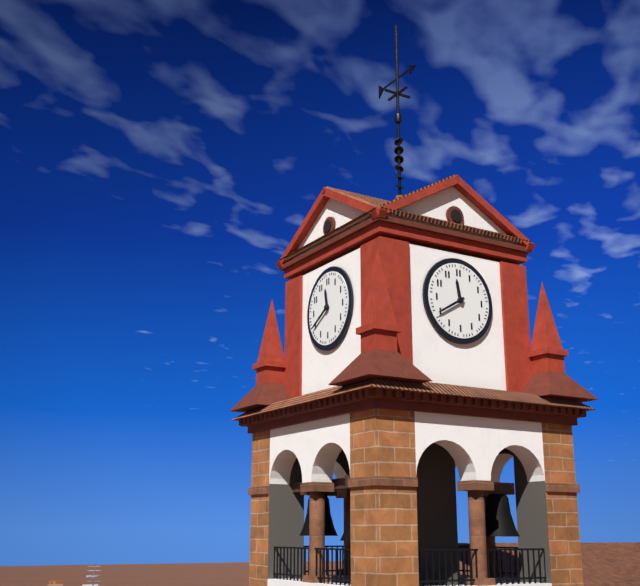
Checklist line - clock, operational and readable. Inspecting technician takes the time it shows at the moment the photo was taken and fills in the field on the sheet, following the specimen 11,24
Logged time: 11,40
